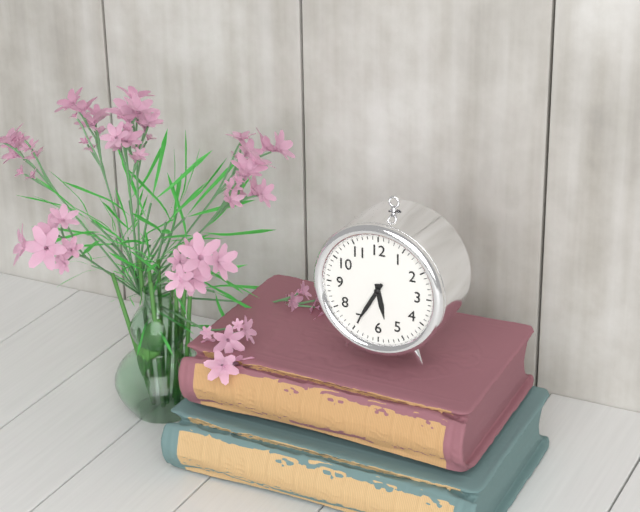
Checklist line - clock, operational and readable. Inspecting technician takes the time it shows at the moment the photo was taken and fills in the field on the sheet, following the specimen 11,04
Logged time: 5,35
